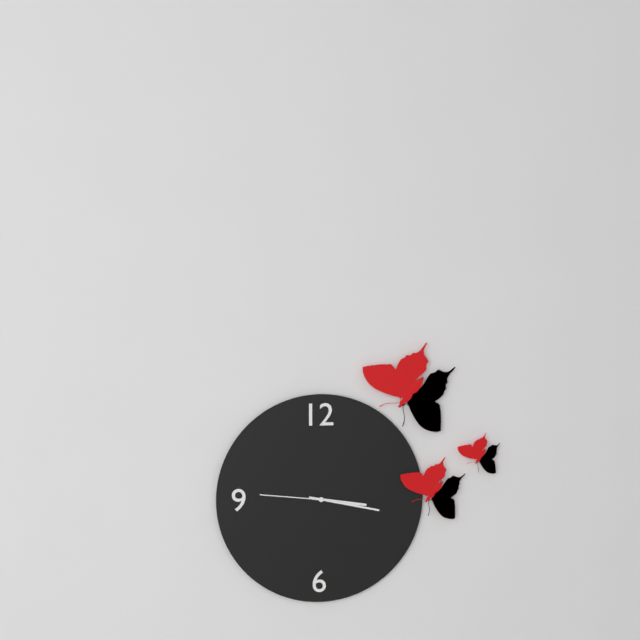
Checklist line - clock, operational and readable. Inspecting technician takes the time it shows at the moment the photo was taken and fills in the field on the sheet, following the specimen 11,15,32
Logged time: 3,17,46
